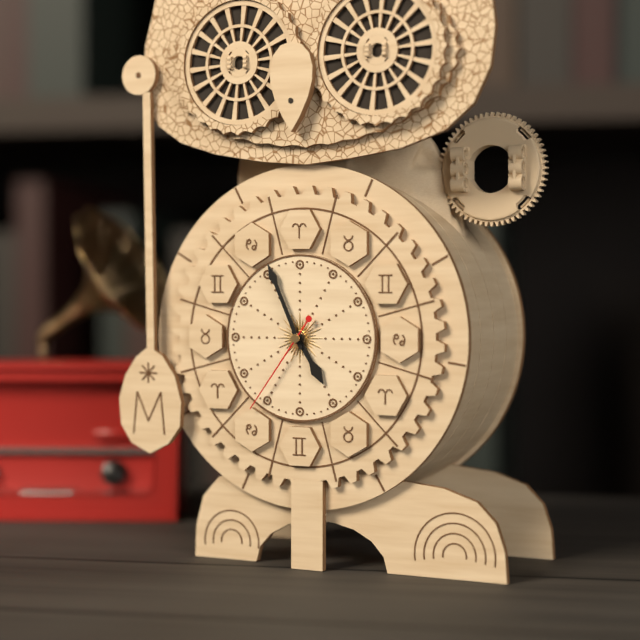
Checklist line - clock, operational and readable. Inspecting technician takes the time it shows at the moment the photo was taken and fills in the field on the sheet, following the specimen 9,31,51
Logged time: 4,56,36
